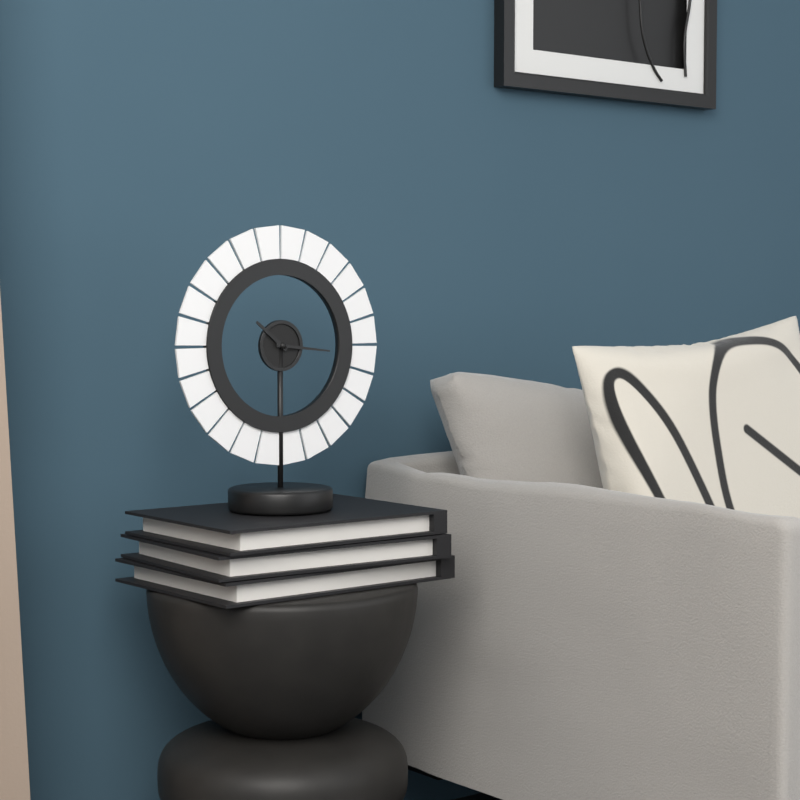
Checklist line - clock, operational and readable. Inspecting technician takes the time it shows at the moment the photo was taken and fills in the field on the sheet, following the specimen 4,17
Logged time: 10,16
